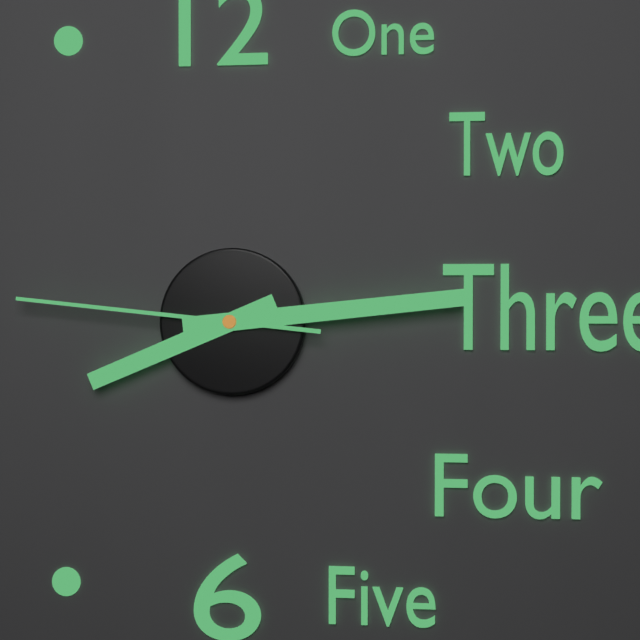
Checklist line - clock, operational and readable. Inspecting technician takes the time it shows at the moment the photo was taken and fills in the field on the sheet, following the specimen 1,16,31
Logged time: 8,14,46
